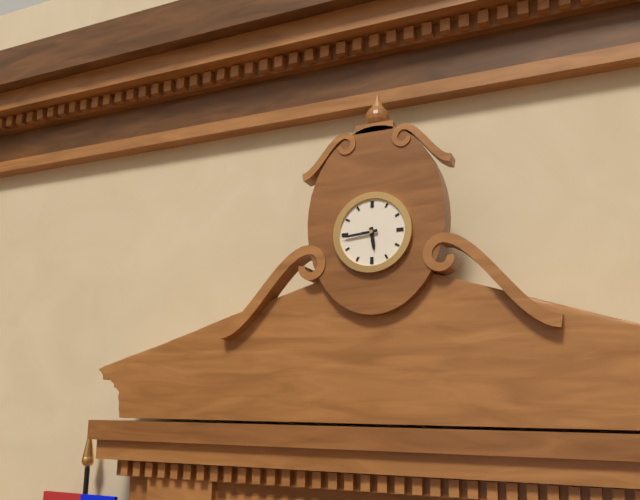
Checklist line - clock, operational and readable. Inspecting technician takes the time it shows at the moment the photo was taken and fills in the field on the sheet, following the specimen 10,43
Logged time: 5,44
